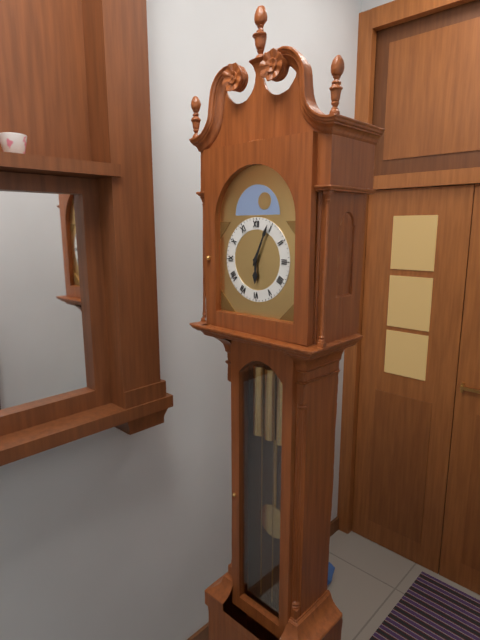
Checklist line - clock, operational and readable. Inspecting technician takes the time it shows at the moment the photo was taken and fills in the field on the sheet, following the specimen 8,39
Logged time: 6,04
